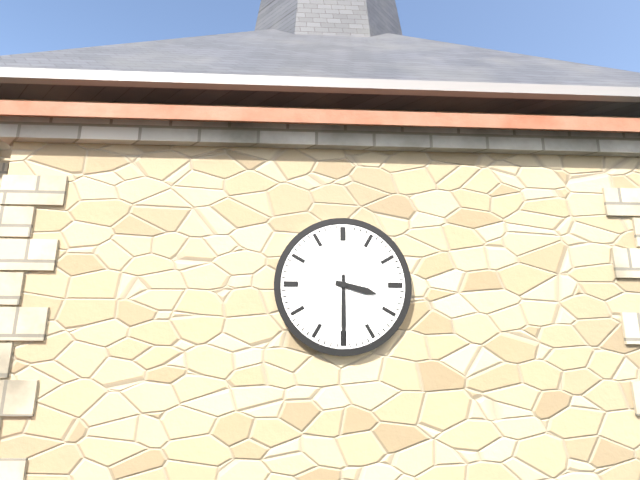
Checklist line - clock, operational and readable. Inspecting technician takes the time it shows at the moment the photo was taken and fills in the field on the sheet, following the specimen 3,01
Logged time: 3,30
